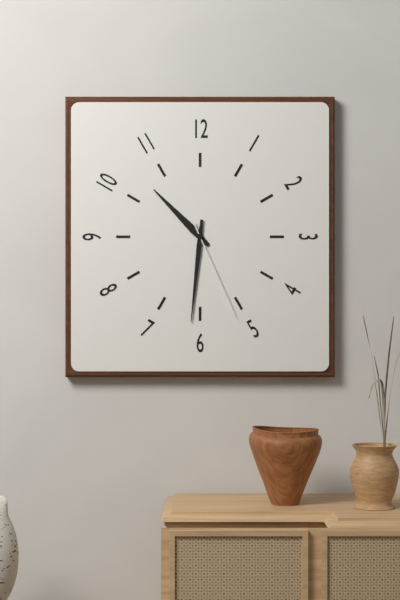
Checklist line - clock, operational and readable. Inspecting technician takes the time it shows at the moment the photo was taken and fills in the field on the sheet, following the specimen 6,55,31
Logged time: 10,31,26
